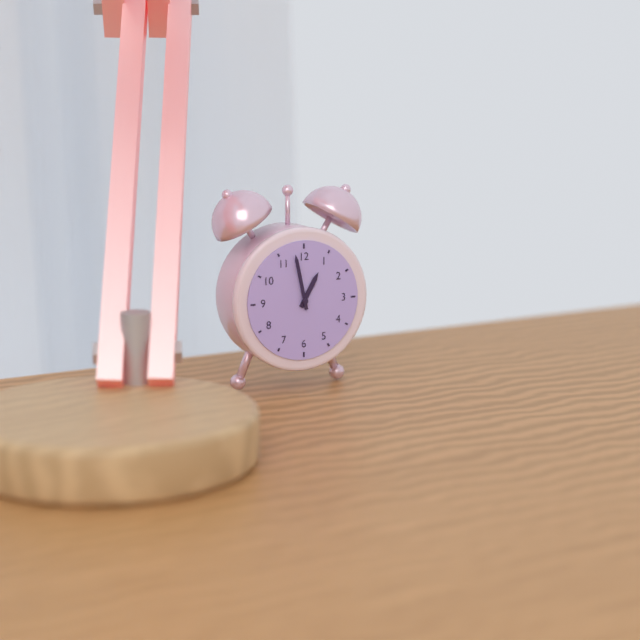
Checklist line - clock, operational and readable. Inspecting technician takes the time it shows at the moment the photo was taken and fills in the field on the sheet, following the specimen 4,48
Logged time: 12,58
